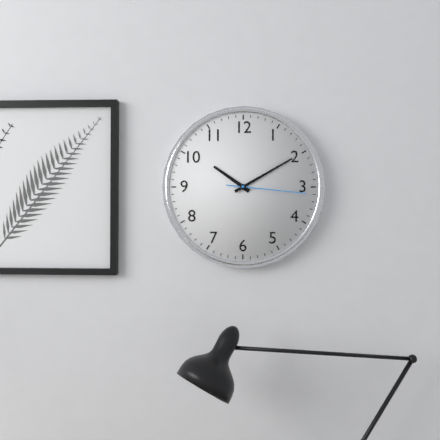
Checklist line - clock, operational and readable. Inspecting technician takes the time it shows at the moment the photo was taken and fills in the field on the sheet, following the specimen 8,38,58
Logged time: 10,10,16
